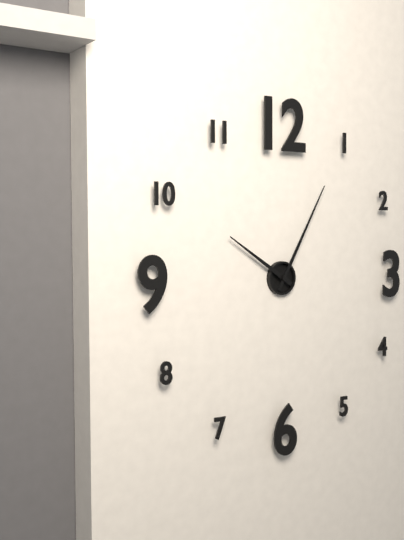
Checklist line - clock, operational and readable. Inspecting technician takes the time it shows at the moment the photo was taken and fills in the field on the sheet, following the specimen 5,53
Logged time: 10,05
